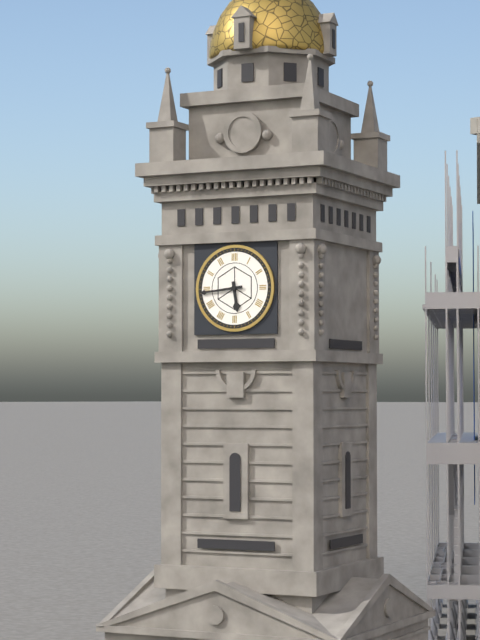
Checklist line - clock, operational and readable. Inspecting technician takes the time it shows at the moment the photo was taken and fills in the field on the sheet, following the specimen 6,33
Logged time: 5,44
